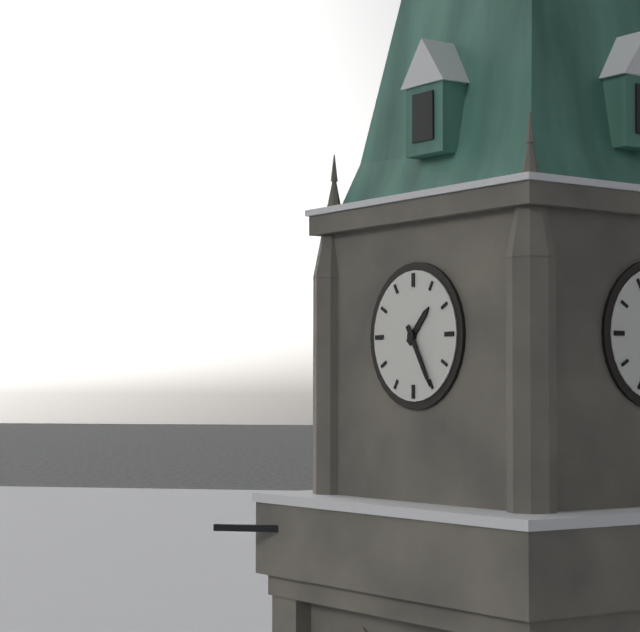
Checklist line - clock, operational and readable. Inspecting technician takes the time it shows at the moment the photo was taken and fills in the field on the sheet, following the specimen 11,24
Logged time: 1,25
